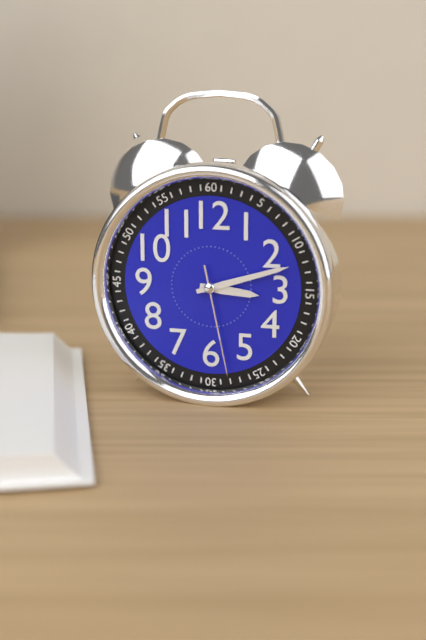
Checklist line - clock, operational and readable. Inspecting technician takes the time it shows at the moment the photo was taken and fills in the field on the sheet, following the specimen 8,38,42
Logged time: 3,12,28
